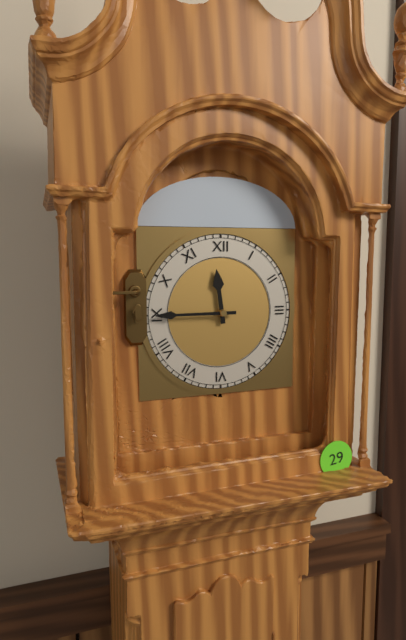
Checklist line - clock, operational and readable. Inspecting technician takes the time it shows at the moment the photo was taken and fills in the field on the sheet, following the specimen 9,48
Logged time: 11,45
